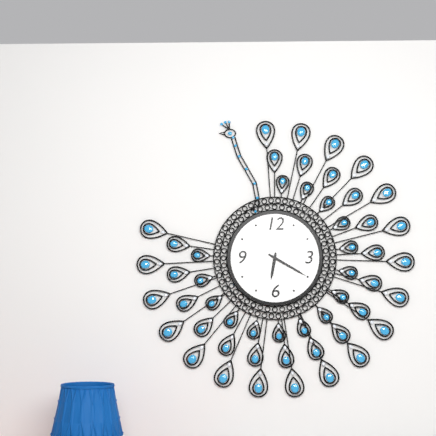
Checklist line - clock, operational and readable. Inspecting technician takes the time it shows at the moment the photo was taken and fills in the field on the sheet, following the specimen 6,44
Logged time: 6,20
